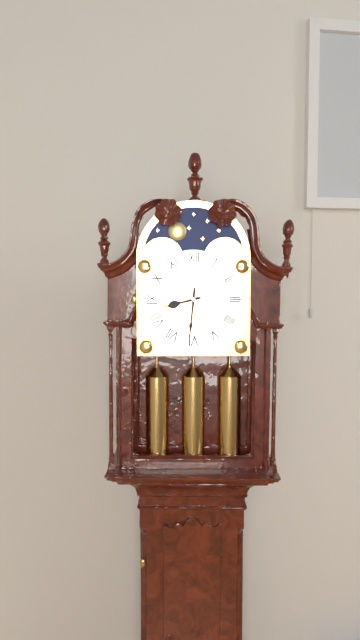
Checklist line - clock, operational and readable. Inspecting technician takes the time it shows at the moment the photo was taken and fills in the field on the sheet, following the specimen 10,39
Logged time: 8,31
